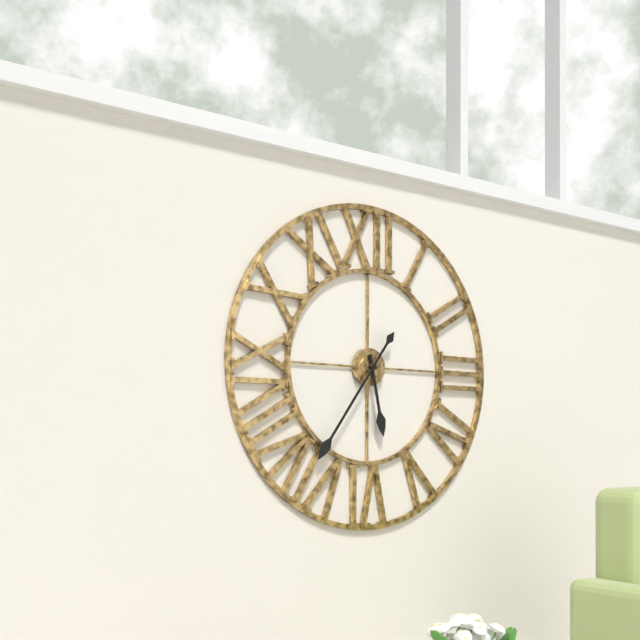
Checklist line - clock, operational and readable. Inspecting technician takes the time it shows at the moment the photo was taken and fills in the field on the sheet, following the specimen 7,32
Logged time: 5,36
